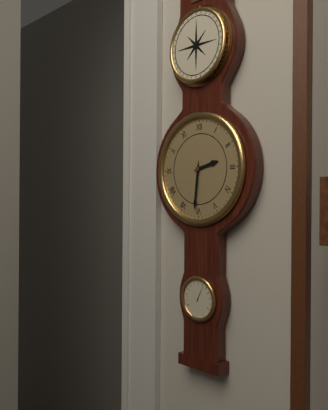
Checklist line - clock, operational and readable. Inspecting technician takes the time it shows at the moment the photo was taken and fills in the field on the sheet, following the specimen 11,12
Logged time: 2,31
